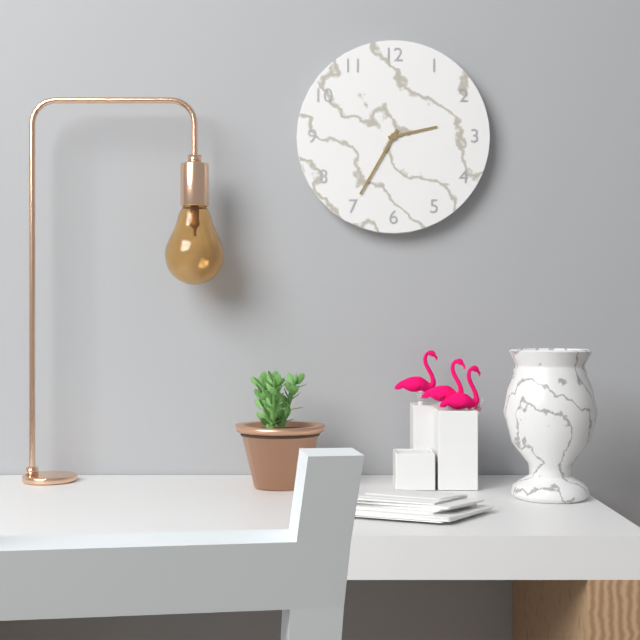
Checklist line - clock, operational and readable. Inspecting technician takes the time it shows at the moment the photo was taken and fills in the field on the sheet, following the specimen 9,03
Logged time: 2,35
